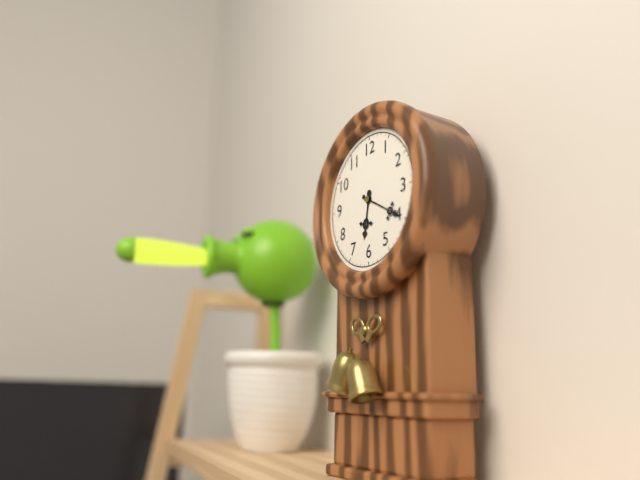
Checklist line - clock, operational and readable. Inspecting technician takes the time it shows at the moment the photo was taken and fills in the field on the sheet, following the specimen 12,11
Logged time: 6,20
